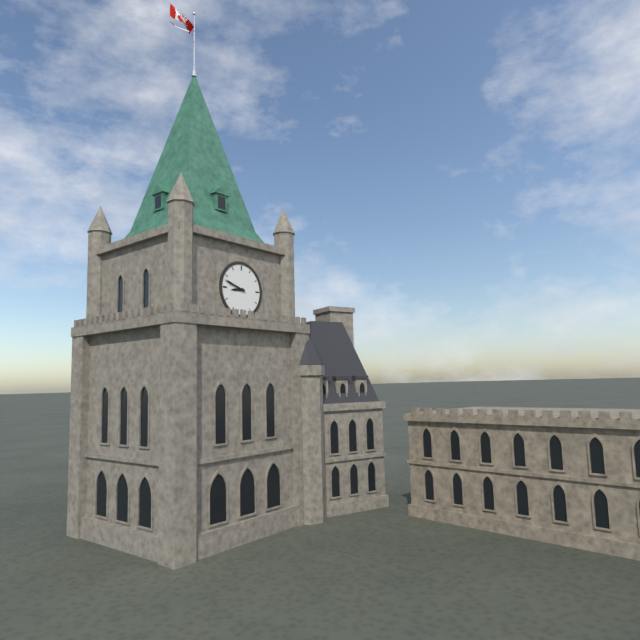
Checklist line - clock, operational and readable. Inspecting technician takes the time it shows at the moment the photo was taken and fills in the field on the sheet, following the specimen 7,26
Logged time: 8,48
